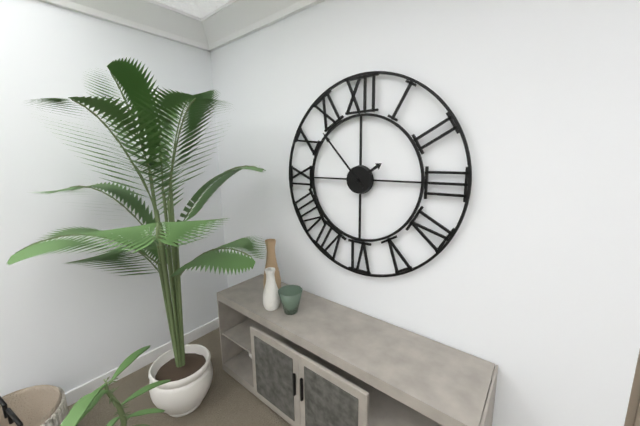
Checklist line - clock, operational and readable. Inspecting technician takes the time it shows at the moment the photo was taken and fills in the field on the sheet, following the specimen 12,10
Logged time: 1,53
